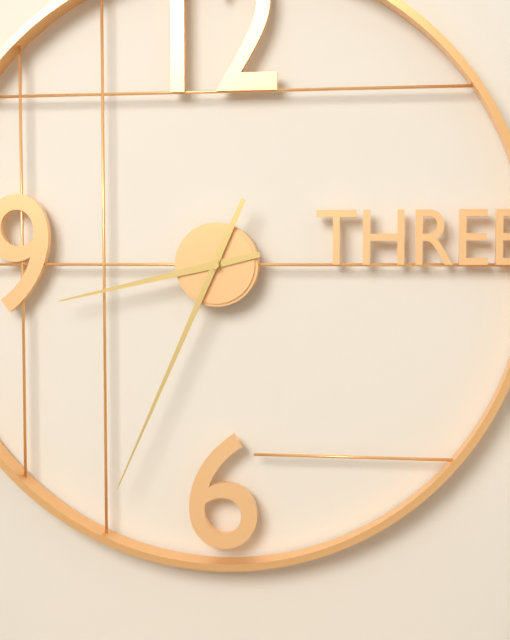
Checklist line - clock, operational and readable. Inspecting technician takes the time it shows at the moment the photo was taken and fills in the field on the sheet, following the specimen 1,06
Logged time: 8,34
